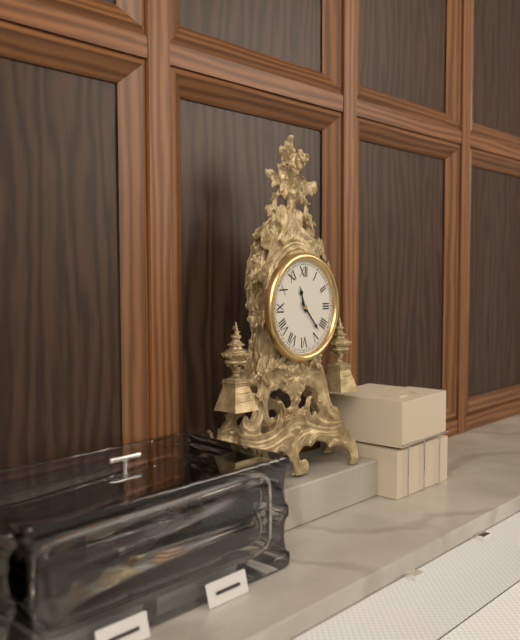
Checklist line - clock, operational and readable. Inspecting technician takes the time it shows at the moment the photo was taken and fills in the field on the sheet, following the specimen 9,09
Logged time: 11,23
